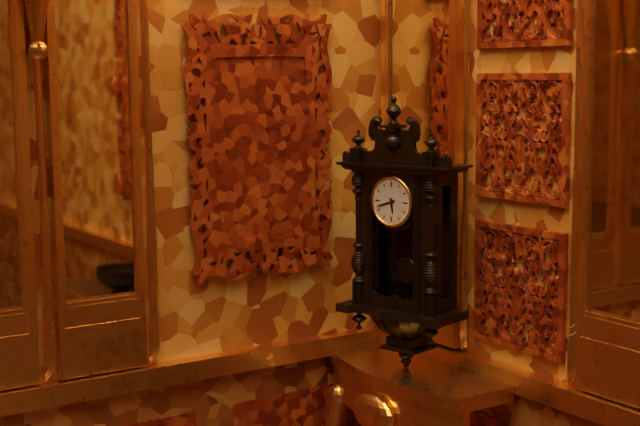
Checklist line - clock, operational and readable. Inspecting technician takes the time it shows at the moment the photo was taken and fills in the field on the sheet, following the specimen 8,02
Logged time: 5,42
